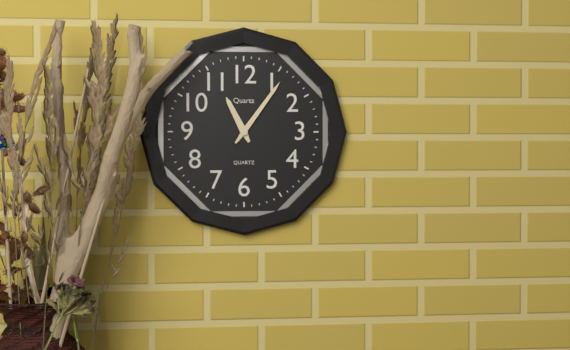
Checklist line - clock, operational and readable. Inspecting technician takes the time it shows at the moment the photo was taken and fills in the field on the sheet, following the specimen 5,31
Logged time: 11,06
